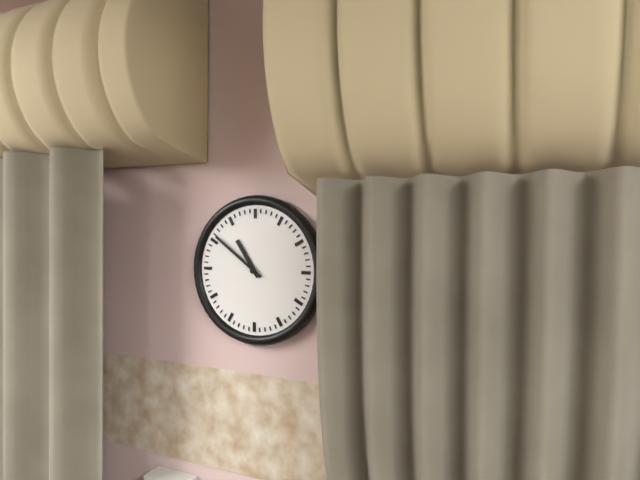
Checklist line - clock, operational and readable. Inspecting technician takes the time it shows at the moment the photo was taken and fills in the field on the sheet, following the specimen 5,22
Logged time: 10,51
